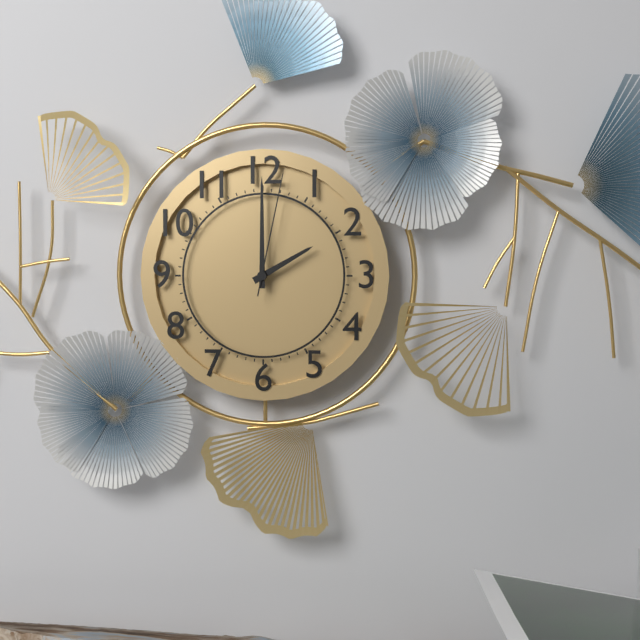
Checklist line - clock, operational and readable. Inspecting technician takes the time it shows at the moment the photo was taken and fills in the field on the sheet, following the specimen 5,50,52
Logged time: 2,00,02
